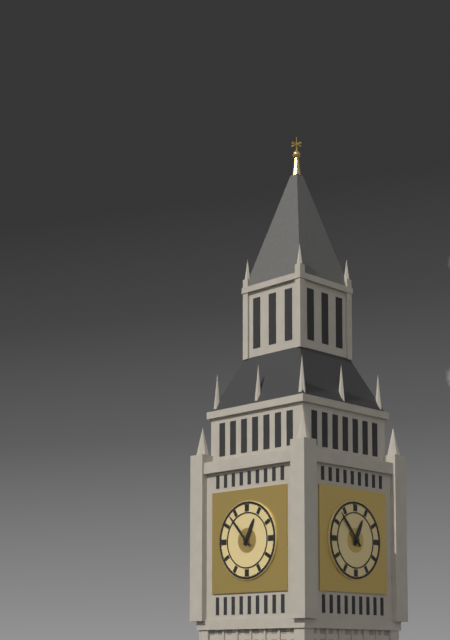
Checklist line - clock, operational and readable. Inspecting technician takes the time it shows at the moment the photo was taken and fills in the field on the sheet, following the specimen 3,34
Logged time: 12,53
